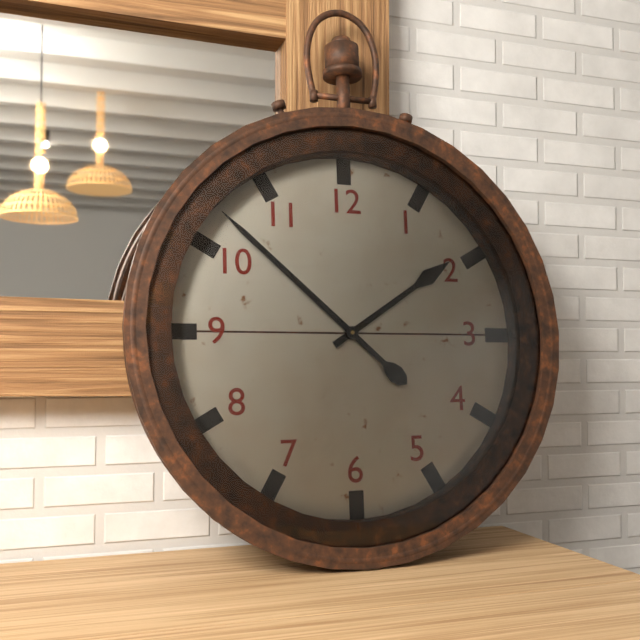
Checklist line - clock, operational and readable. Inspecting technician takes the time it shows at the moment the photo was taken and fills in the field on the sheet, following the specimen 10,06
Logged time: 1,52
